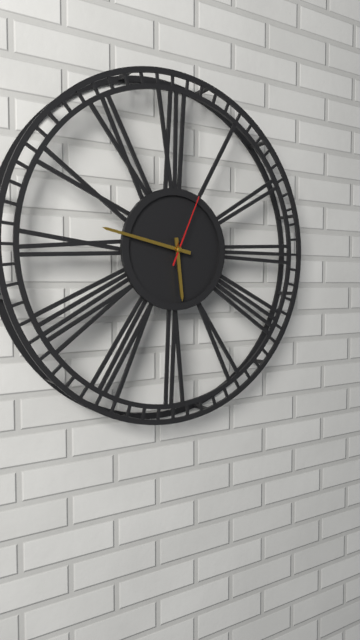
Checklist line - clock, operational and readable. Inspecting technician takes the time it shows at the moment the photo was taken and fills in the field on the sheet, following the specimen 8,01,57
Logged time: 5,47,04
